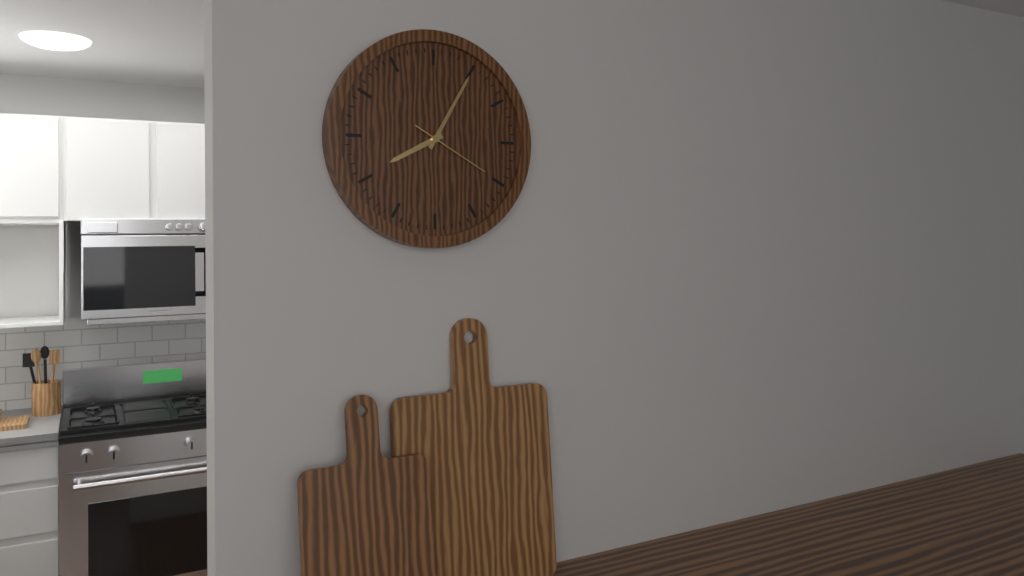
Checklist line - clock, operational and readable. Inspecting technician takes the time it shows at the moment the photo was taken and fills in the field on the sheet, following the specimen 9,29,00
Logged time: 8,05,20
